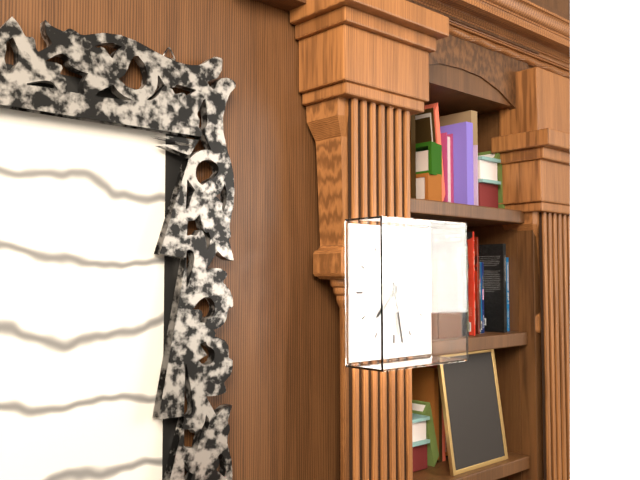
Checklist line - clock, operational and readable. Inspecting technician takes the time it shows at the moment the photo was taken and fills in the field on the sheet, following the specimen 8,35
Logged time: 7,28
